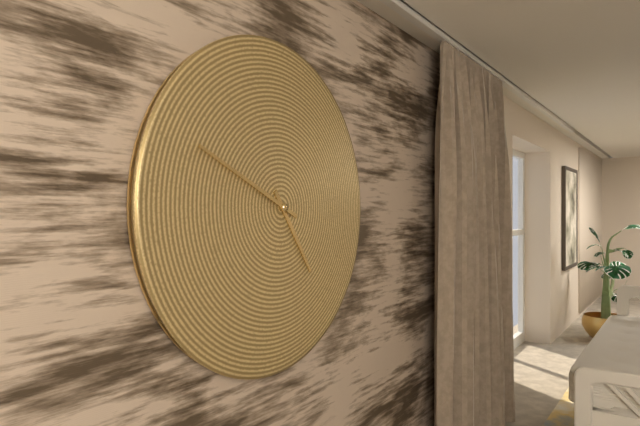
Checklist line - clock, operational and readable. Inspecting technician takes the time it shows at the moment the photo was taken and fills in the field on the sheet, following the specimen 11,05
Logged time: 4,49
